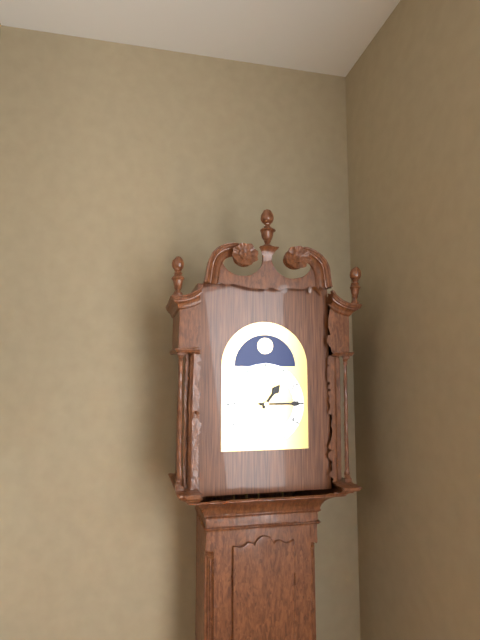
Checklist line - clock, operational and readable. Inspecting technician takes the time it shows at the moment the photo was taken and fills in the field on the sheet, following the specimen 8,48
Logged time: 1,15
